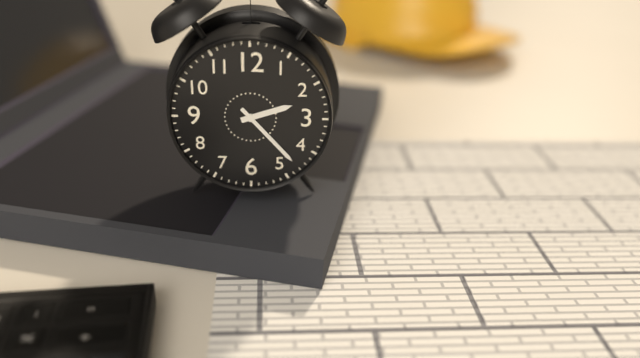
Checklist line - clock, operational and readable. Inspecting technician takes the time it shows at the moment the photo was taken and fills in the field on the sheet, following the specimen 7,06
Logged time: 2,23
